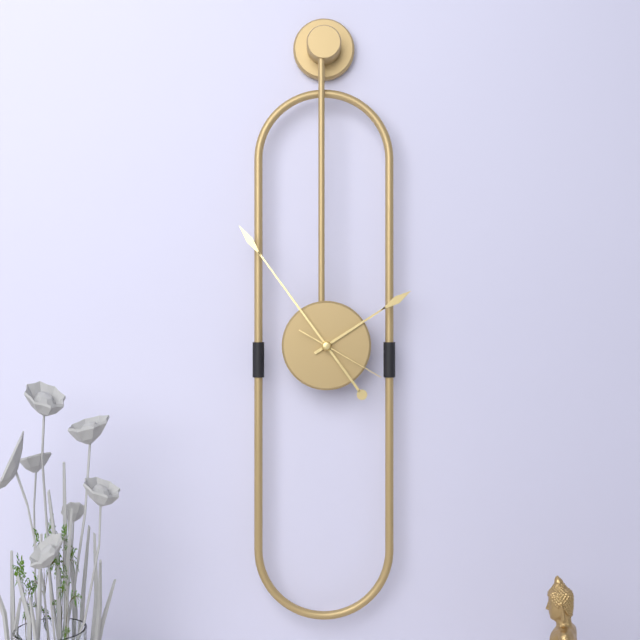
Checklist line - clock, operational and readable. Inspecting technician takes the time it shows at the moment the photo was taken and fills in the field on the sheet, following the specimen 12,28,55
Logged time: 1,54,20
